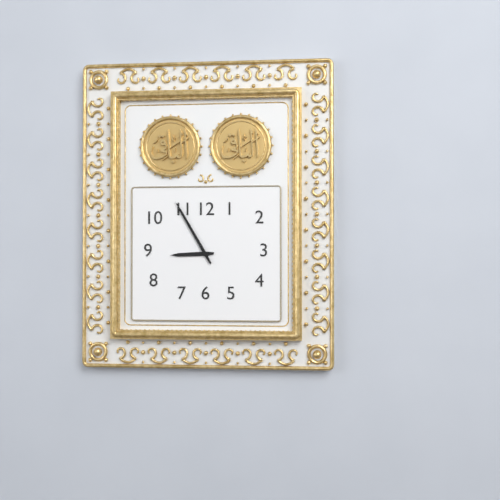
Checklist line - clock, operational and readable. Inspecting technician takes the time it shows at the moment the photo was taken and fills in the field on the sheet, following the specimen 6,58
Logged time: 8,55
